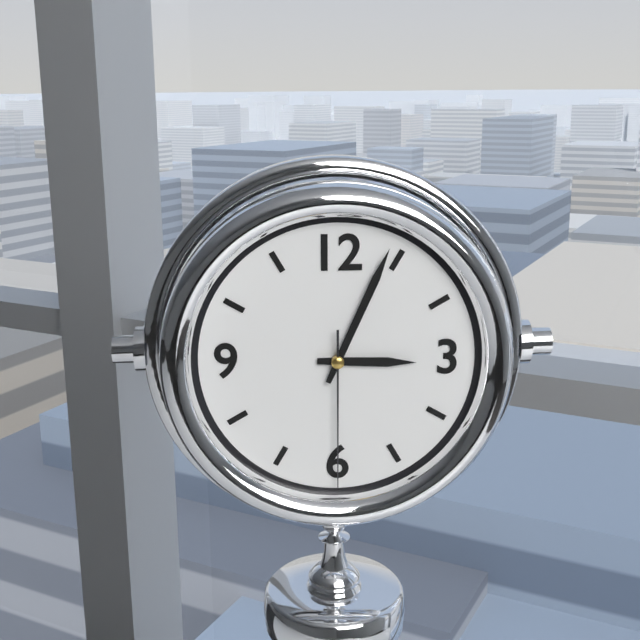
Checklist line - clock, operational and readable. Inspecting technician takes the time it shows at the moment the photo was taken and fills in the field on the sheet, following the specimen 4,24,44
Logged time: 3,04,30
